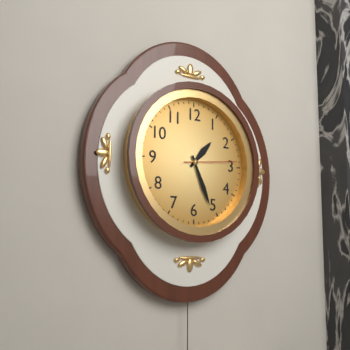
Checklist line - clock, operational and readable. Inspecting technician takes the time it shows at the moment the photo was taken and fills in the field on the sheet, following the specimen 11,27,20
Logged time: 1,26,14
